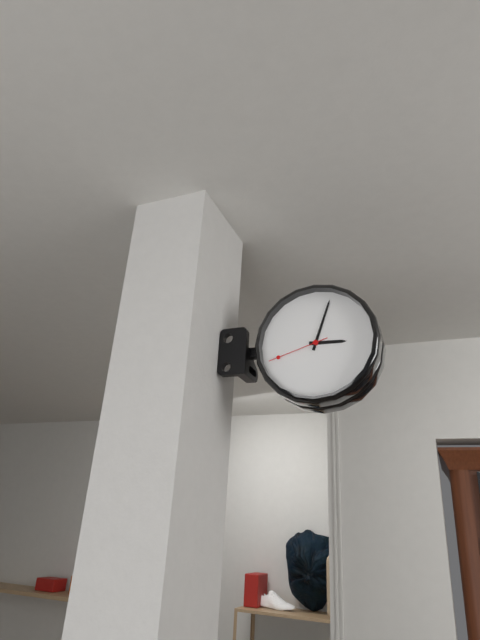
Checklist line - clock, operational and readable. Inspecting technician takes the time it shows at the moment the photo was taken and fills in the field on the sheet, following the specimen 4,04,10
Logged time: 3,03,42
